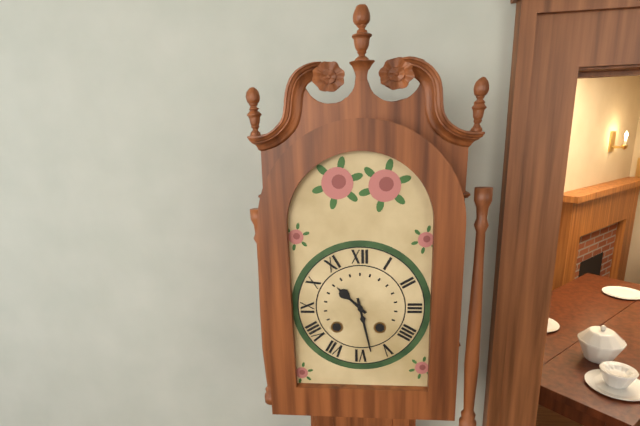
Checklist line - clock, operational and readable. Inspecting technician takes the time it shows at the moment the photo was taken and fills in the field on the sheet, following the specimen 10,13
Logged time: 10,28
